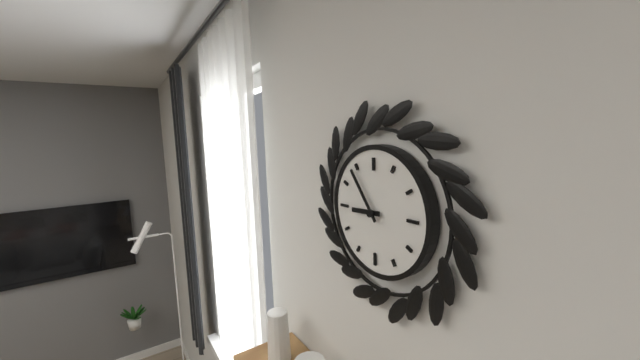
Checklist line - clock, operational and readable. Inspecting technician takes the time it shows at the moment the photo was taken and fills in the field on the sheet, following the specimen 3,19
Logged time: 8,54
